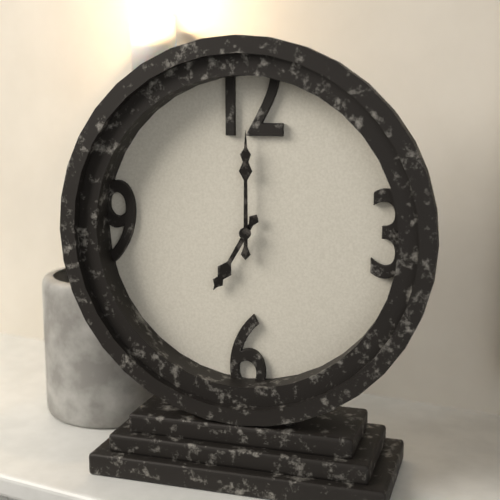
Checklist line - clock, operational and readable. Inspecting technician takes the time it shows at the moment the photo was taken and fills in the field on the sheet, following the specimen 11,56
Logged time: 7,00
